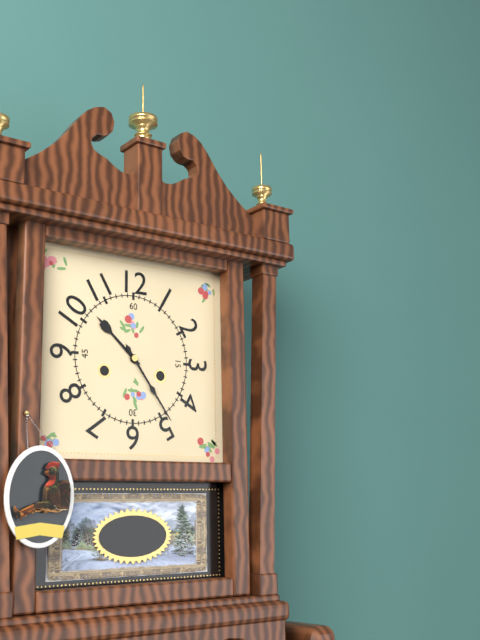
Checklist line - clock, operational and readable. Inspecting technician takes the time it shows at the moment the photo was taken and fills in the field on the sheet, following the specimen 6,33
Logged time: 10,24
